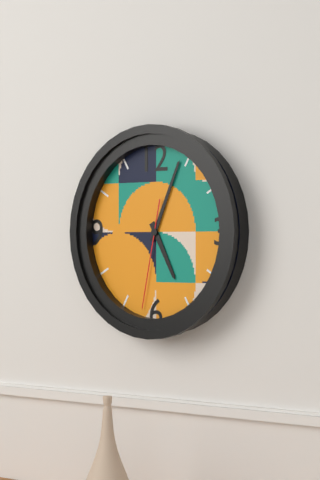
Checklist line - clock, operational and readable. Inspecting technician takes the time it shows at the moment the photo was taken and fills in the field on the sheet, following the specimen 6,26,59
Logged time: 5,04,32
